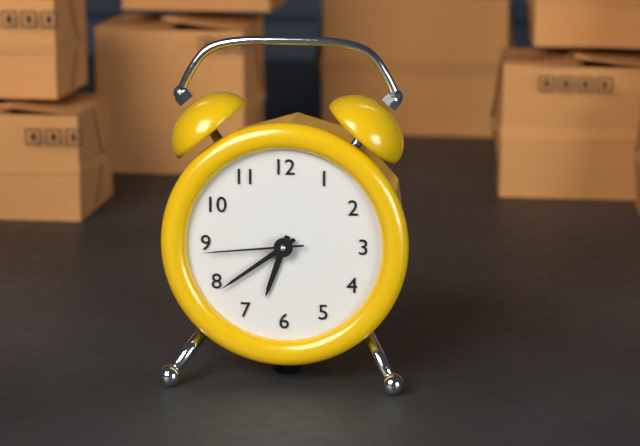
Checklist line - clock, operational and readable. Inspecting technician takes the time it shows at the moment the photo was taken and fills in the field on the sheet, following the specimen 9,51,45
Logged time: 6,39,44
